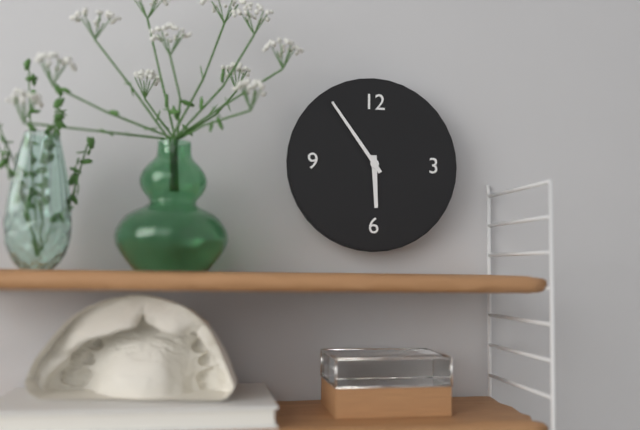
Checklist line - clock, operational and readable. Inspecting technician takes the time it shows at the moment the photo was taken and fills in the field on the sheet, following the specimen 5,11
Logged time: 5,54
